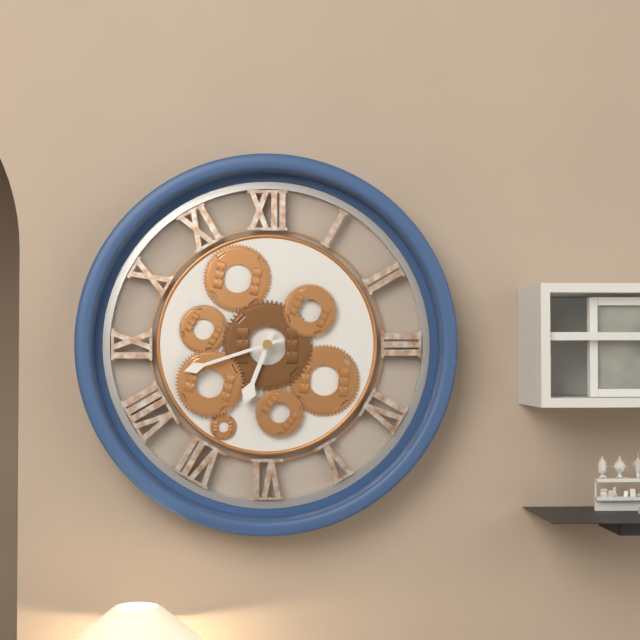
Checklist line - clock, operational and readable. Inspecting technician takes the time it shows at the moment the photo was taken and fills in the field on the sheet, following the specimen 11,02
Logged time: 6,42
